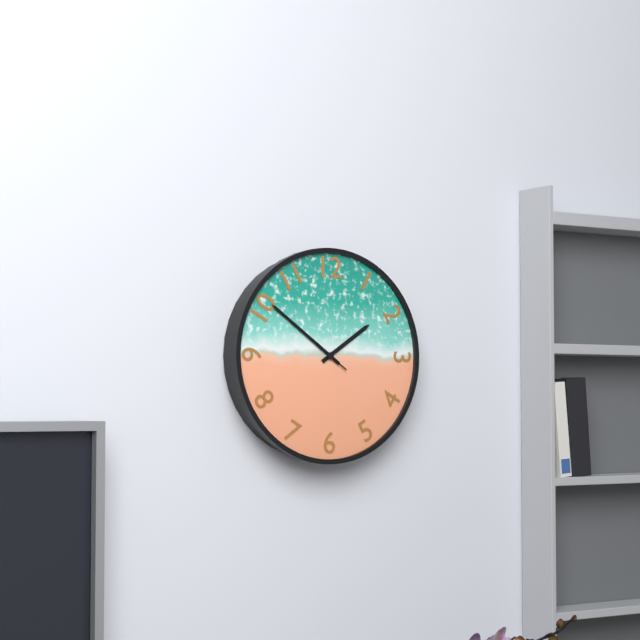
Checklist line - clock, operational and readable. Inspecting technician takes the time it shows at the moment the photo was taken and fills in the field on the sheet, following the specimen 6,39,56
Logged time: 1,51,51
